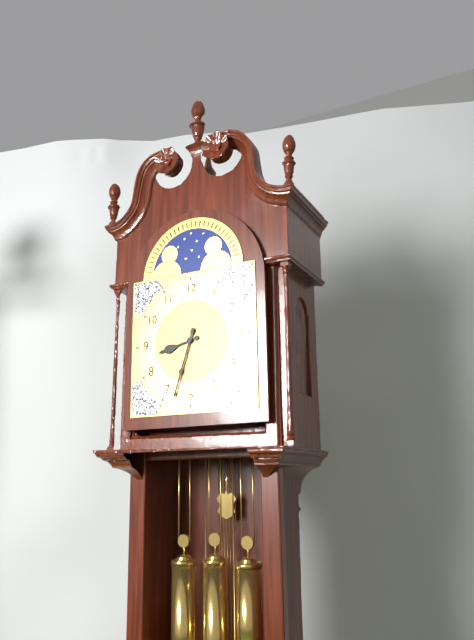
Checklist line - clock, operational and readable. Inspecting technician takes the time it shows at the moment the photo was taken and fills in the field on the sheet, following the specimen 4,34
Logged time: 8,33
